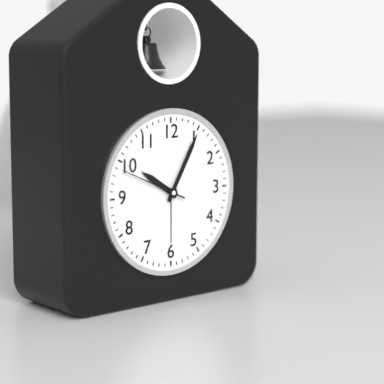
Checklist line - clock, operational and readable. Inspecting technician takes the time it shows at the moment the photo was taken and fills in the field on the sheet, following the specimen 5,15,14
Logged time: 10,05,49
